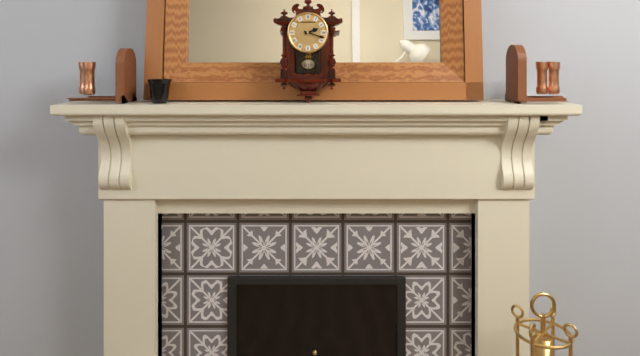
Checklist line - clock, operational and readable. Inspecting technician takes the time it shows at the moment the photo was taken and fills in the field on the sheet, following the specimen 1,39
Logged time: 2,18
